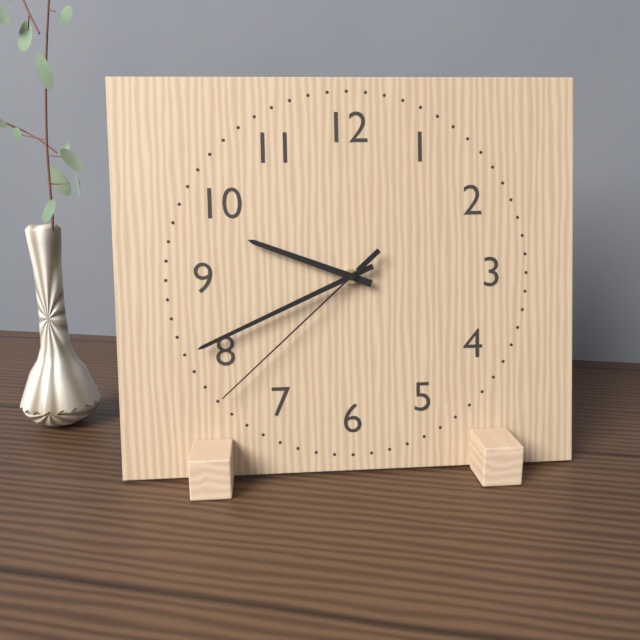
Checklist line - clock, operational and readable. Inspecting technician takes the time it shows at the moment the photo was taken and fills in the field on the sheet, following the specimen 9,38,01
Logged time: 9,41,38
